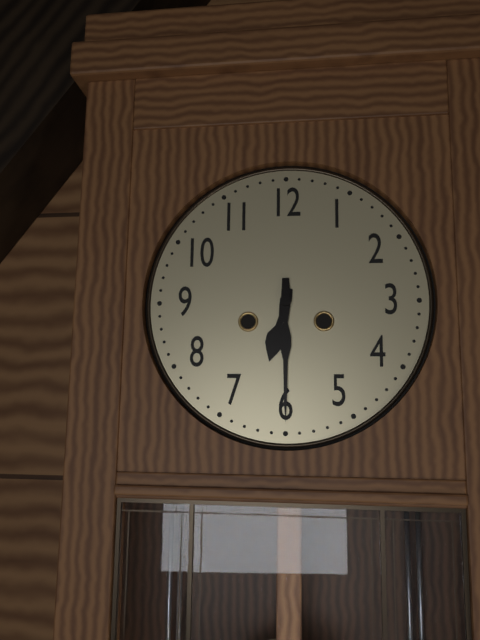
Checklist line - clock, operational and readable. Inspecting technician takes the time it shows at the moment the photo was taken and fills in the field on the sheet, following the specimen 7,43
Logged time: 6,30
